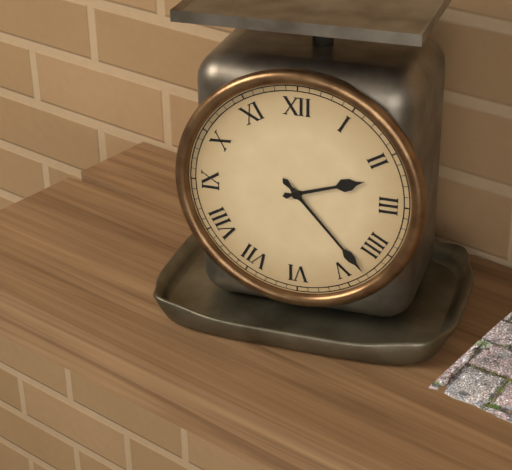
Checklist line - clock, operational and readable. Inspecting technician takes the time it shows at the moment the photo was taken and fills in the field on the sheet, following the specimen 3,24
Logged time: 2,23
